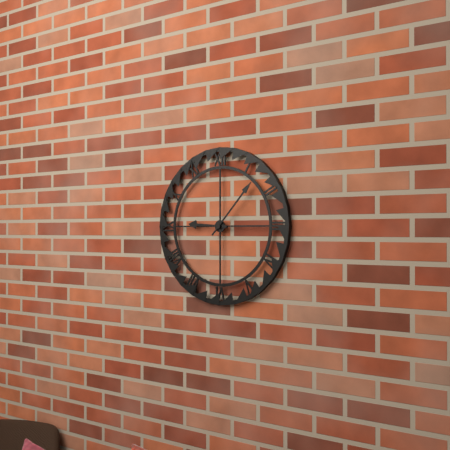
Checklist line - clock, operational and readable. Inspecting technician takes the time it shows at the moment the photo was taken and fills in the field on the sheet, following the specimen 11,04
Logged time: 9,07
